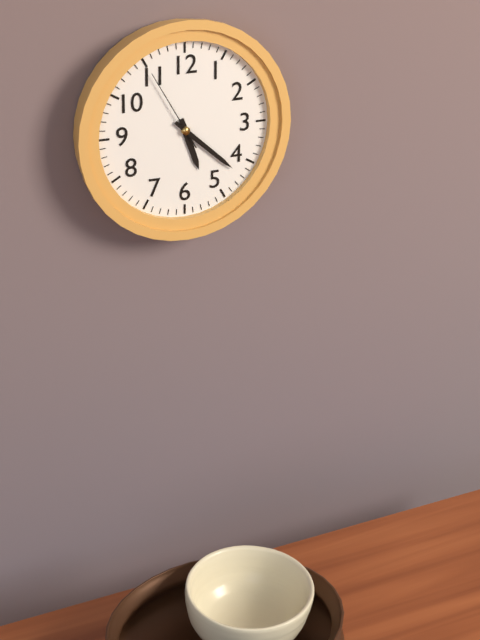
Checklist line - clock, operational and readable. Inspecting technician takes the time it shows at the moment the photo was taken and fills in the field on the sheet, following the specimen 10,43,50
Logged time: 5,22,55
